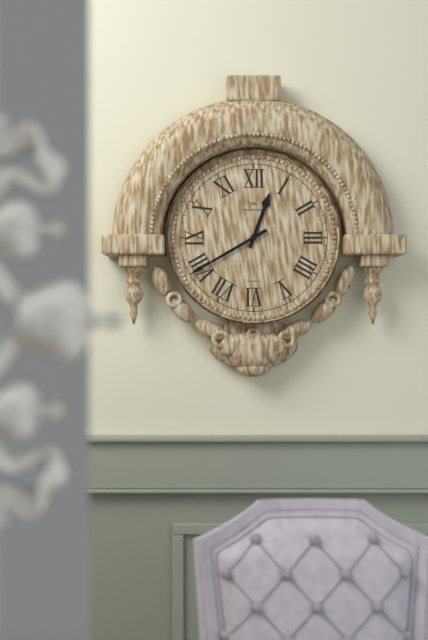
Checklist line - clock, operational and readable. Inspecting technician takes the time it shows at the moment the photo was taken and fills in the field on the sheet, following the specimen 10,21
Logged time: 12,40
